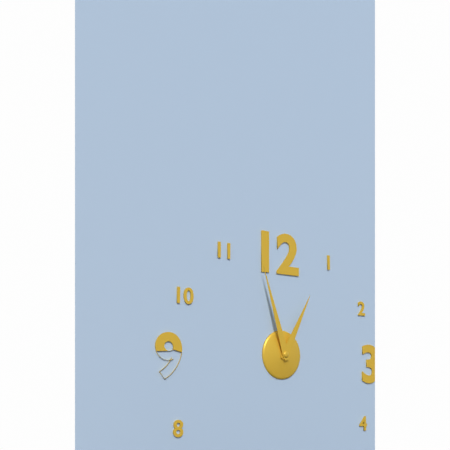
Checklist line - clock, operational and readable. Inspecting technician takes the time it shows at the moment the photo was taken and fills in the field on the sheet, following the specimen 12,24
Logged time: 12,57
